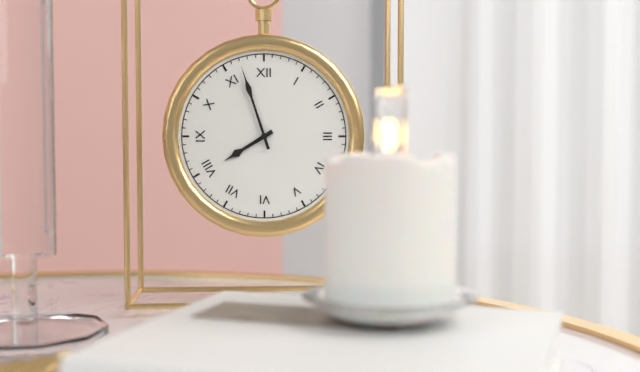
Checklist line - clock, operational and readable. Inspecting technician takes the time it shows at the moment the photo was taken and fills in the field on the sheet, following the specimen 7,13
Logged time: 7,57
